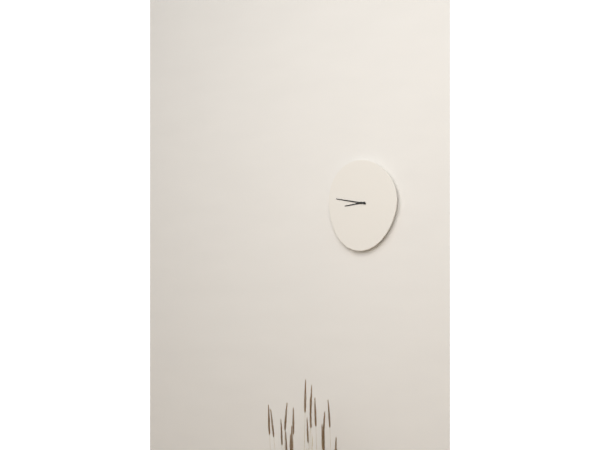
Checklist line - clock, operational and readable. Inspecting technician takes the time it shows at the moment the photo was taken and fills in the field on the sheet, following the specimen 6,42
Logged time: 8,47
